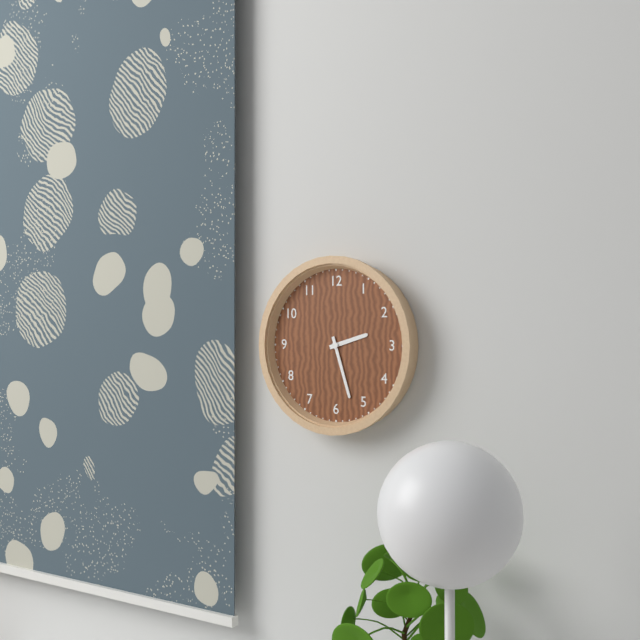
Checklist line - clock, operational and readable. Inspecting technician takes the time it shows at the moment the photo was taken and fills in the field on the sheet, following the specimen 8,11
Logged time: 2,27
